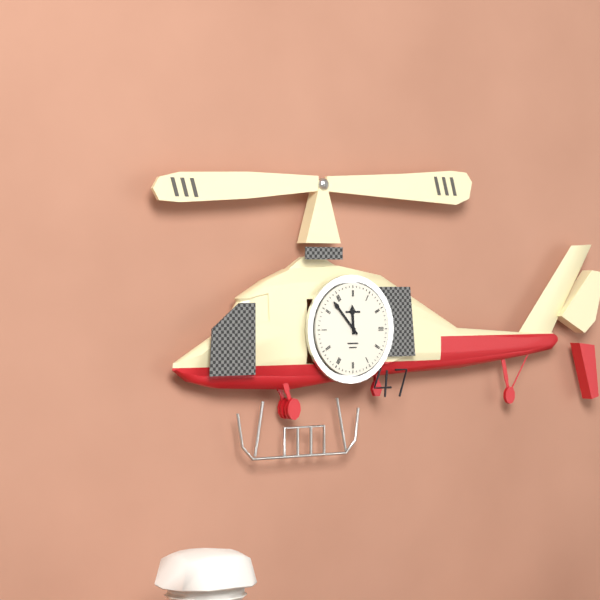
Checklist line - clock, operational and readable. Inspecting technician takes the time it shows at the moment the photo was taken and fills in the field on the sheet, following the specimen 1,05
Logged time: 11,53
